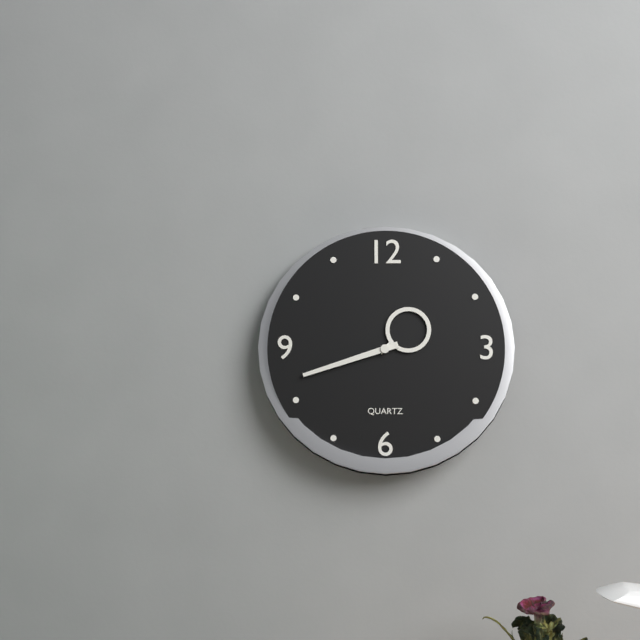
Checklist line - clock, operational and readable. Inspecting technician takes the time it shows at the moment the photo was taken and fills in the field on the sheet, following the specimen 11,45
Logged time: 1,42
